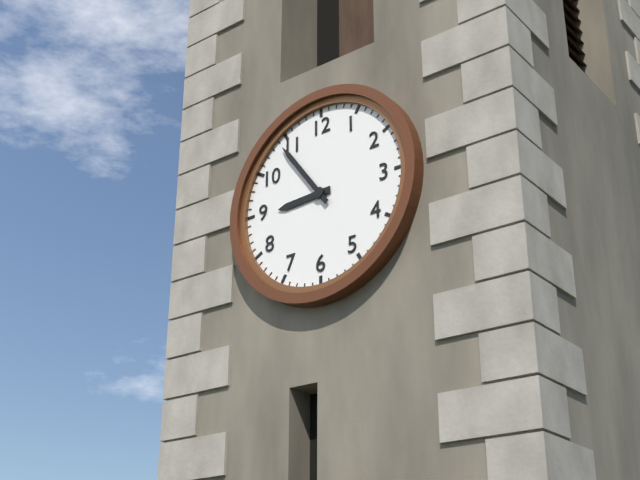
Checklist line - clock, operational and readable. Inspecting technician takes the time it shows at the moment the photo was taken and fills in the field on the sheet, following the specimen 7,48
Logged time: 8,54
